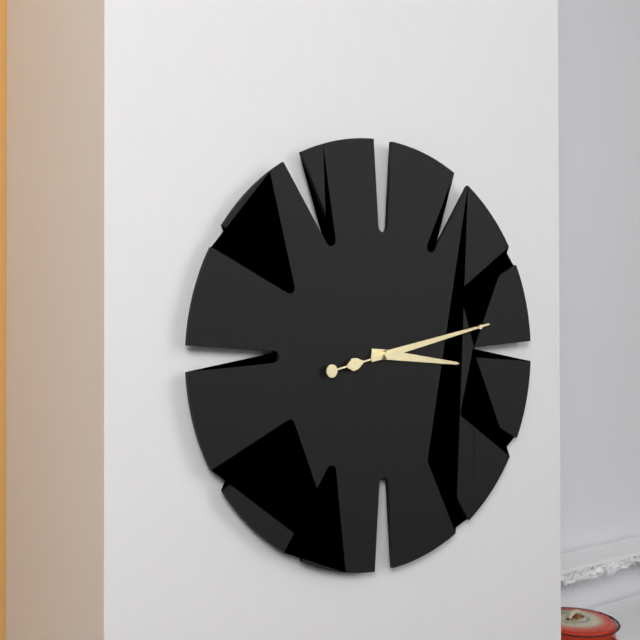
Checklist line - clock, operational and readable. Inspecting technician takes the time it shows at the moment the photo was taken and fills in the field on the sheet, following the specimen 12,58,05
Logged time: 3,13,13
